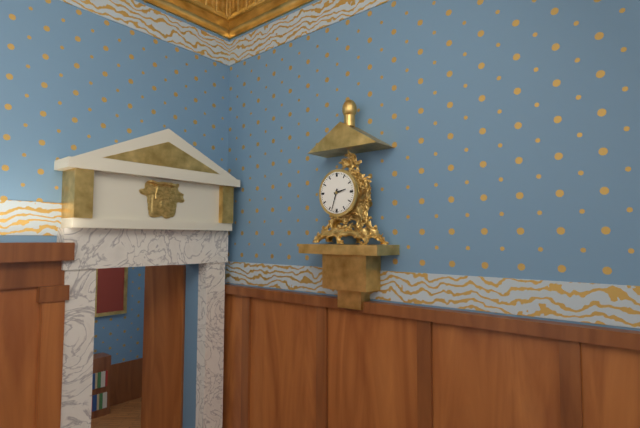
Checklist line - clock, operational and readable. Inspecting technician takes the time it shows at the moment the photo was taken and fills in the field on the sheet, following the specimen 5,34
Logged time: 2,33
